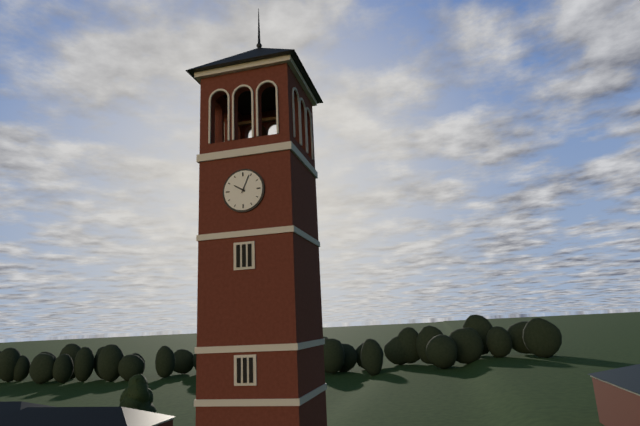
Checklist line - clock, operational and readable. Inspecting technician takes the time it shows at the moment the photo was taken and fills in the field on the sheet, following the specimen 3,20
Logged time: 10,04
